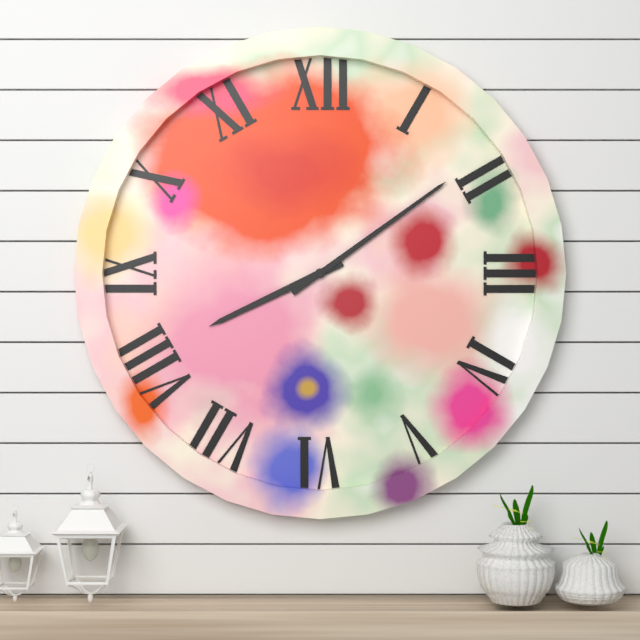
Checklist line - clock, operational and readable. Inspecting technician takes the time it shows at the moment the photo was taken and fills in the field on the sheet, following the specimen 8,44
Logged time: 8,09
